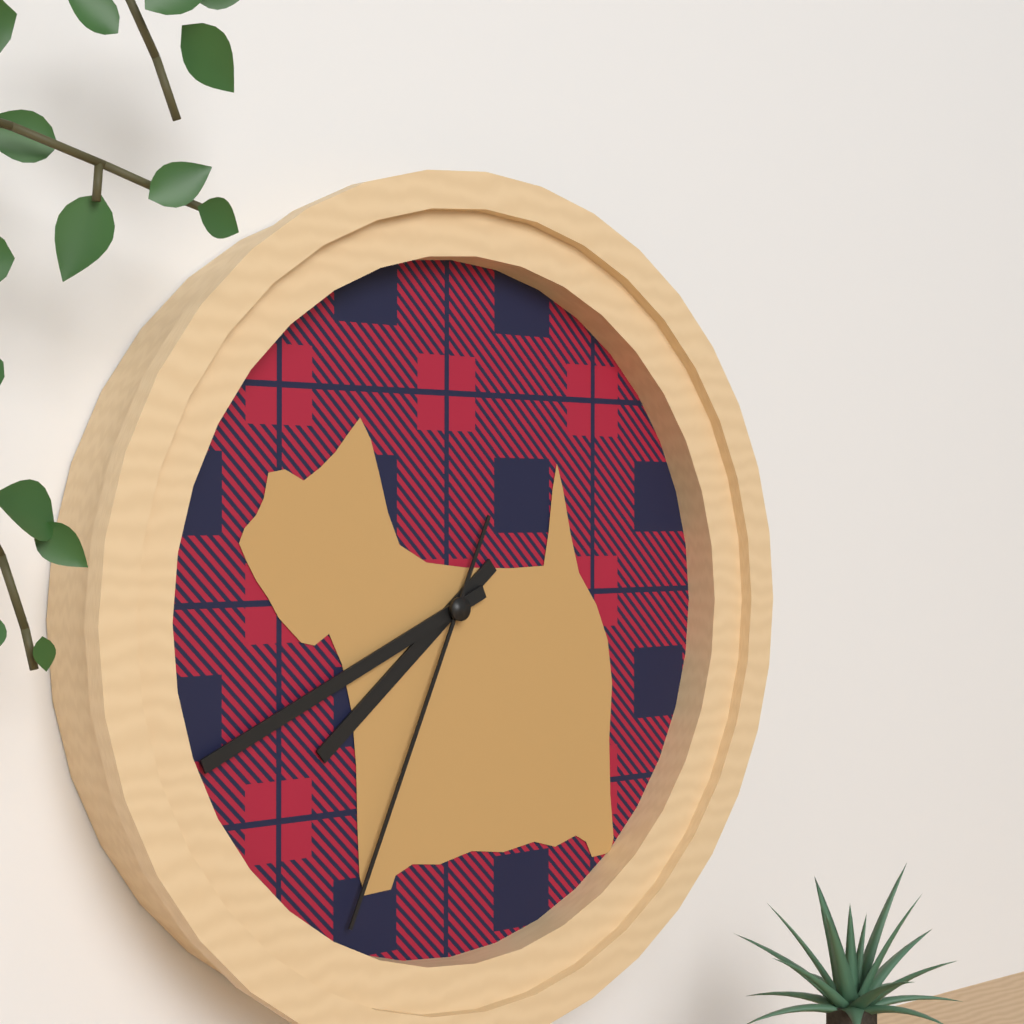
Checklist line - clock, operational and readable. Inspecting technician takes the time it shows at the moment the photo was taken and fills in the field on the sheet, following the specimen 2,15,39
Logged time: 7,41,34
